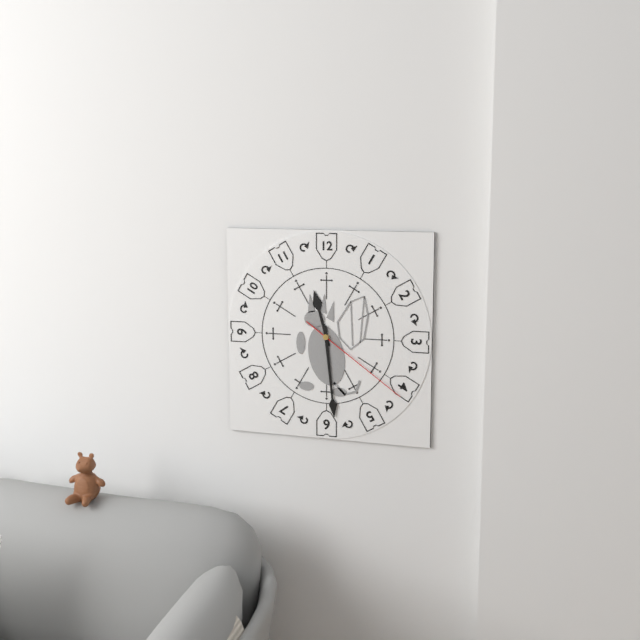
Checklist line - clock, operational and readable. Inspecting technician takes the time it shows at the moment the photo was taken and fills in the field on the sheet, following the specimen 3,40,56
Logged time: 11,29,21
